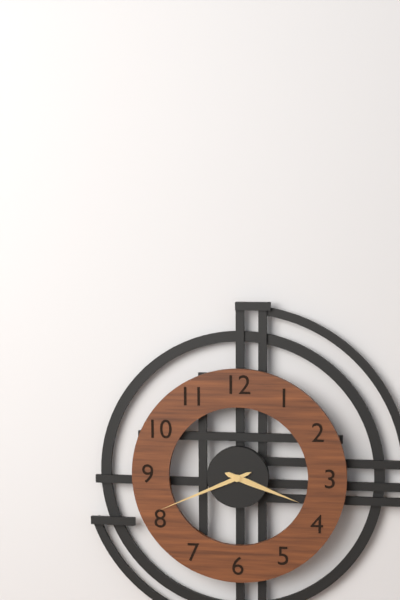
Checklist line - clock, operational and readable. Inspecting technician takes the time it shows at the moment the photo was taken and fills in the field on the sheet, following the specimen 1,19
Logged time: 3,41
